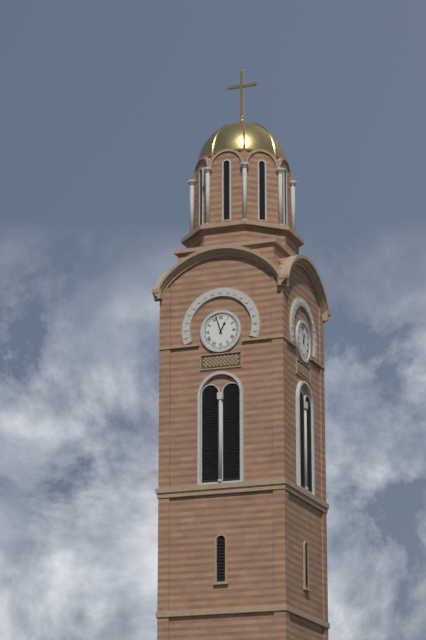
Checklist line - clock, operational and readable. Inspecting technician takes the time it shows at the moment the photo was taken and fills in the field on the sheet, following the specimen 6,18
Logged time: 12,57
